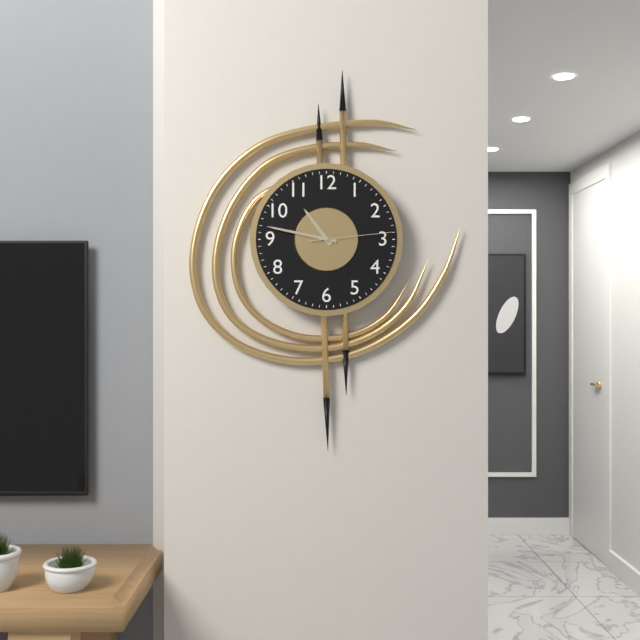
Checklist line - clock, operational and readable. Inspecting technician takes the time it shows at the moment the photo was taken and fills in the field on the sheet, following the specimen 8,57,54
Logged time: 10,47,14
